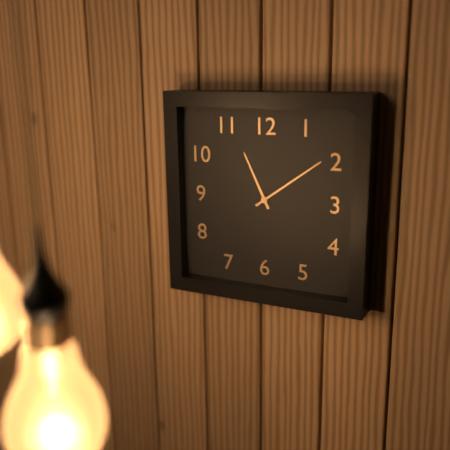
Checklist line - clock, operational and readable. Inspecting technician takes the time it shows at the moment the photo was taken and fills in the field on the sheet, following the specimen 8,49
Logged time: 11,09
